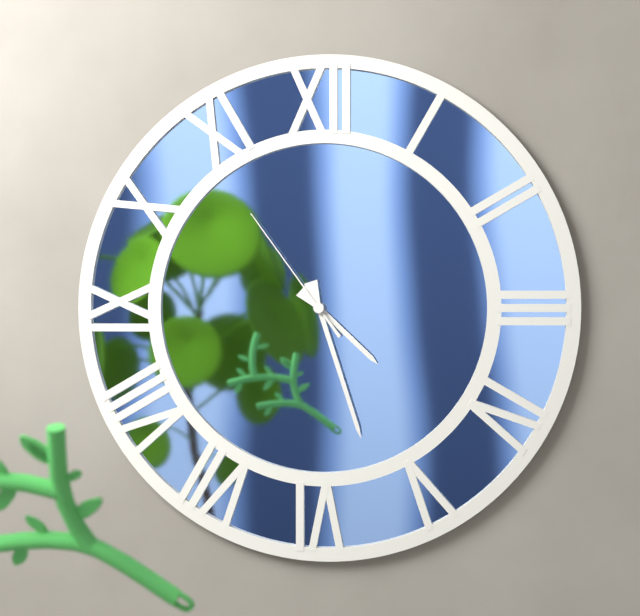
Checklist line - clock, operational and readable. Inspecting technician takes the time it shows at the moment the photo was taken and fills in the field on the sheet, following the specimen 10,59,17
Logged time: 4,27,54
